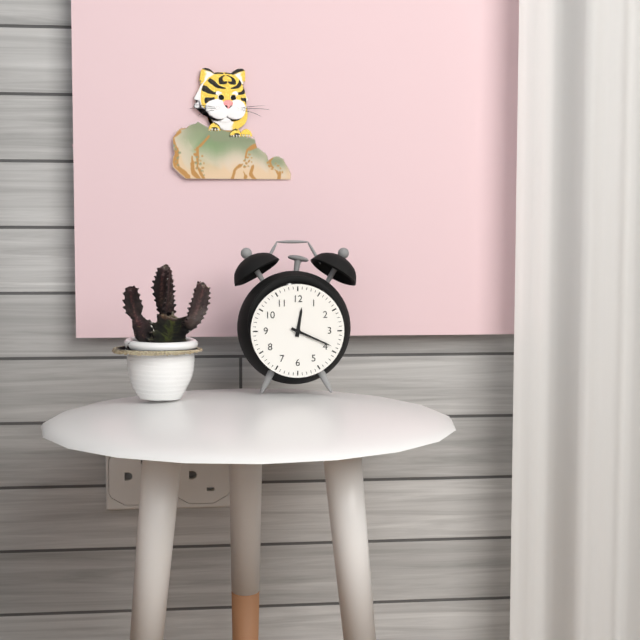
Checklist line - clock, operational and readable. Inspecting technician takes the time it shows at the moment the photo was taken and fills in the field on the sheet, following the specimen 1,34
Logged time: 12,19
